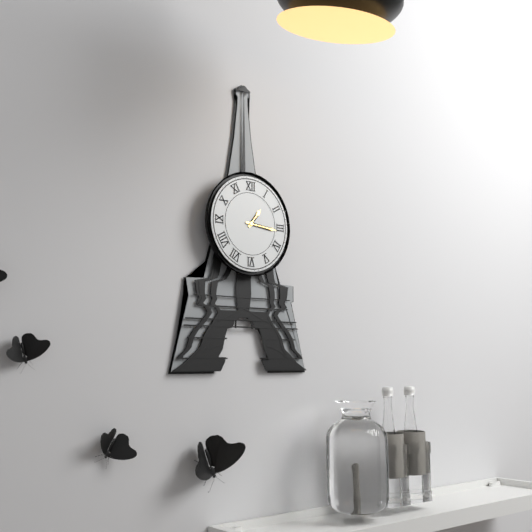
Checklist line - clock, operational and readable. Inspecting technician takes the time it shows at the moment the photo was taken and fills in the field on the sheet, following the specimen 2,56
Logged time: 1,16
